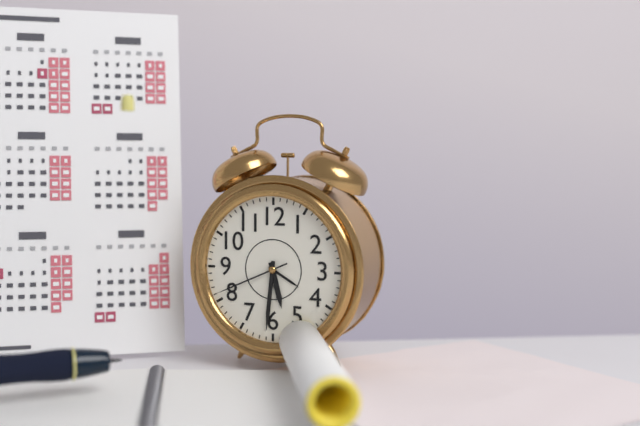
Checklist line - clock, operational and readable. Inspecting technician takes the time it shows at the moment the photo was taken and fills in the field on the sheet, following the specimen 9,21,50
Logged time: 5,31,41
